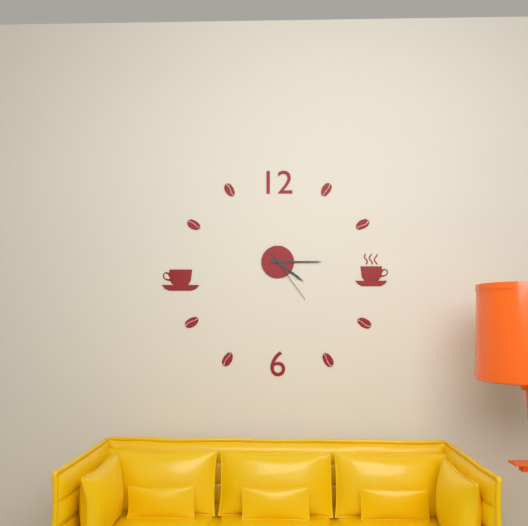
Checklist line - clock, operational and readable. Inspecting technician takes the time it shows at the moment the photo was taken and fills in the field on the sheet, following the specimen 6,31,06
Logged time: 4,15,24
